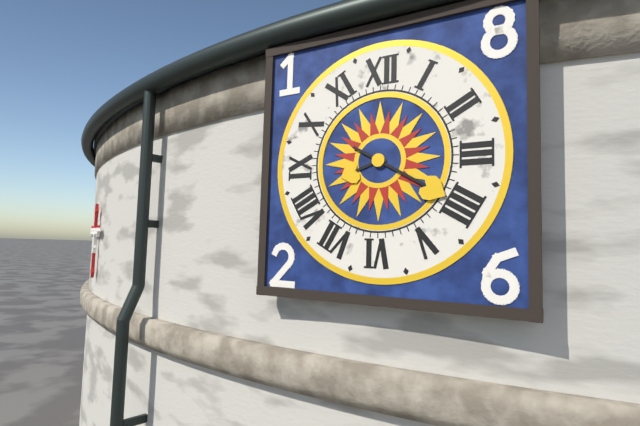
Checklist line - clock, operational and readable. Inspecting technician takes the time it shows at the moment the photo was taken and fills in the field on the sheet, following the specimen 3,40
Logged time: 8,20
